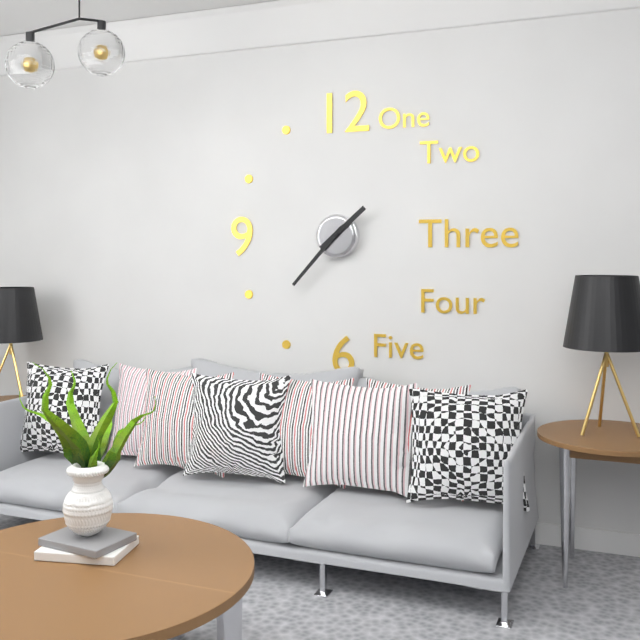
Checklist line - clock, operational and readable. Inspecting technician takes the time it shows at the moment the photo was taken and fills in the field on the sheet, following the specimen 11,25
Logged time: 1,37
